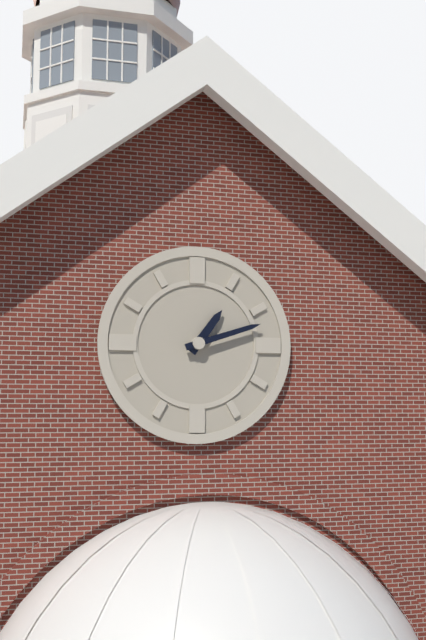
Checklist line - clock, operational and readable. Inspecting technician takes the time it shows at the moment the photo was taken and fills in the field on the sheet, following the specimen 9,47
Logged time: 1,12
